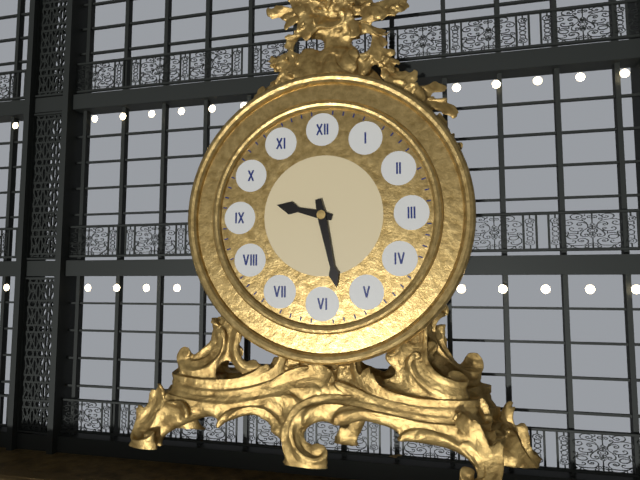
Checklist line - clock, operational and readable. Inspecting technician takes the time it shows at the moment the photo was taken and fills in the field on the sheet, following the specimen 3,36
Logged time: 9,28
